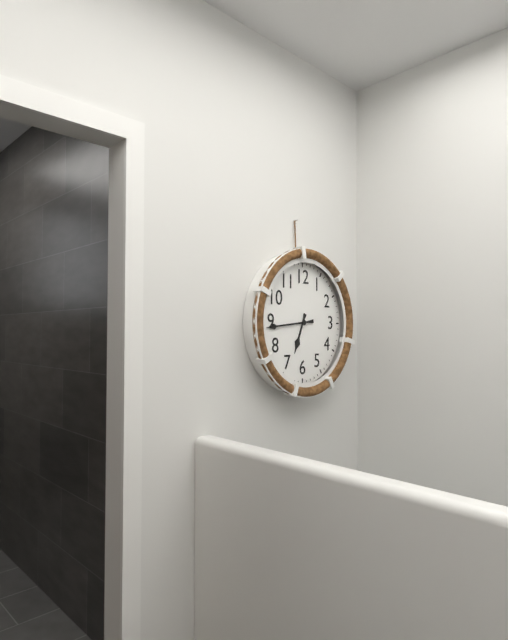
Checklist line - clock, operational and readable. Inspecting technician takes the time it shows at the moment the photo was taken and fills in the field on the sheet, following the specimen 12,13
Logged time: 6,44
